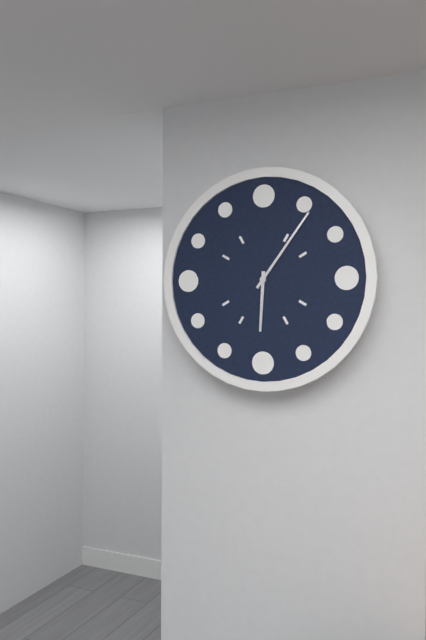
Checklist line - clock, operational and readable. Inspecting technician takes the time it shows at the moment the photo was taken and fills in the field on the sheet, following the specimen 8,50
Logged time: 6,06
